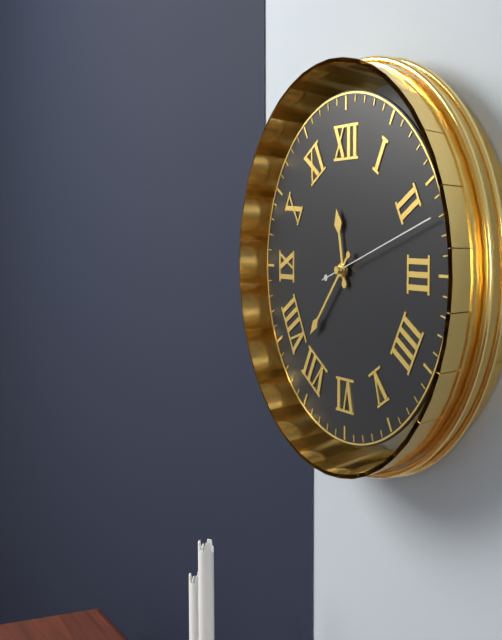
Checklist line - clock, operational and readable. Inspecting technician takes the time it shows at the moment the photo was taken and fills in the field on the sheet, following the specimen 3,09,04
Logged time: 11,37,12
